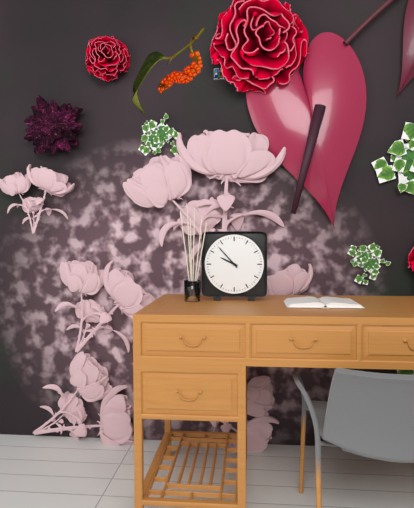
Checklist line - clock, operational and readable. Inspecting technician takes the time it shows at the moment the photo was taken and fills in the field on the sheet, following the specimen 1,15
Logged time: 9,53
